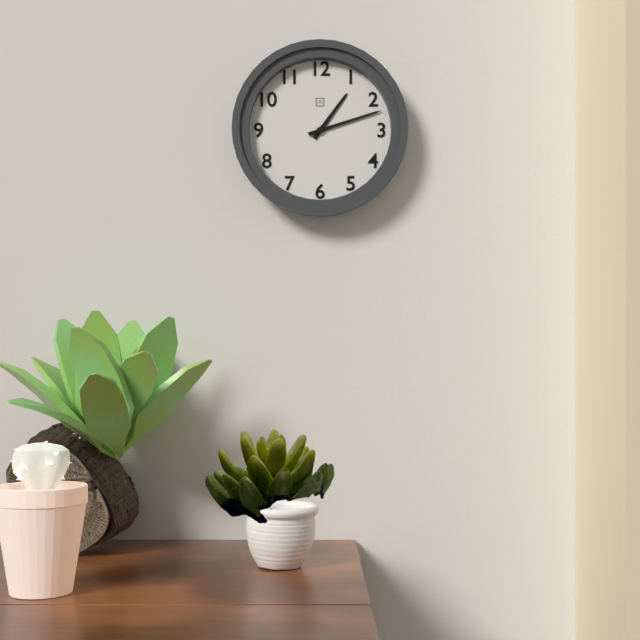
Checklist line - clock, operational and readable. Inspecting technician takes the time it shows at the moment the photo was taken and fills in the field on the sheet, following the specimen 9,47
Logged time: 1,12
